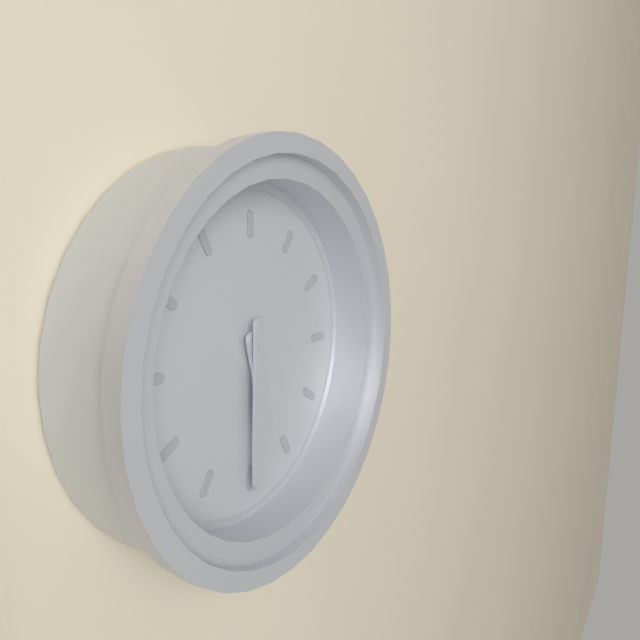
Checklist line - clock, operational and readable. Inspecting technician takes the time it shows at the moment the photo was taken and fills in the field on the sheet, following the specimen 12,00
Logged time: 5,30
